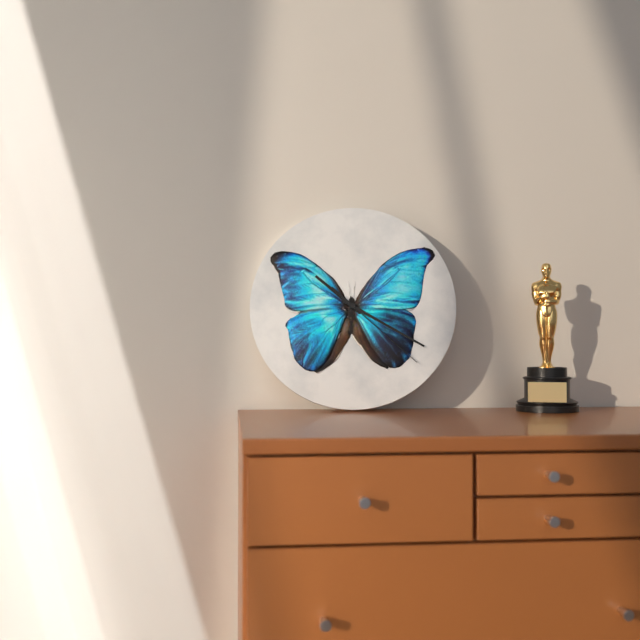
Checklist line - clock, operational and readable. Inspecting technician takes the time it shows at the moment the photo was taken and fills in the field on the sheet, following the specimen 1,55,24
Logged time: 10,20,22
